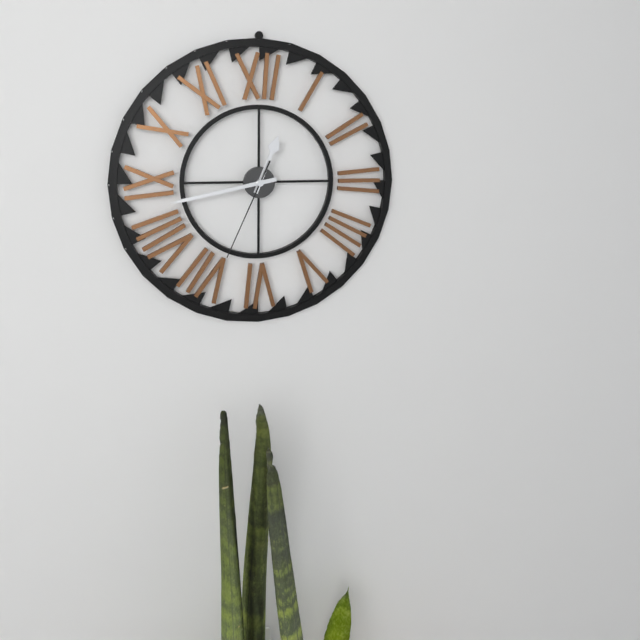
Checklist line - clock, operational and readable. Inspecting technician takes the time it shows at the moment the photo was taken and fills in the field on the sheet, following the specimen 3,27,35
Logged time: 12,43,34
